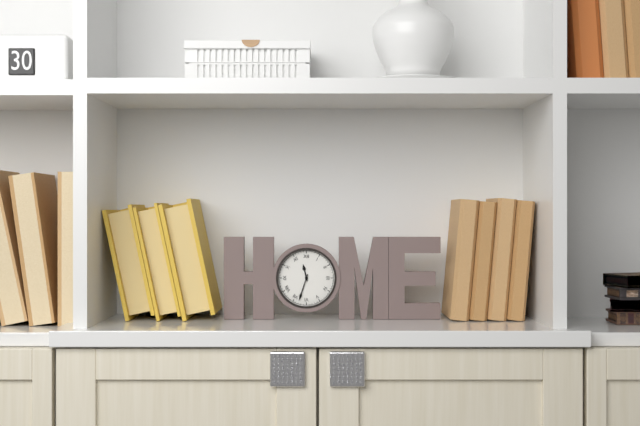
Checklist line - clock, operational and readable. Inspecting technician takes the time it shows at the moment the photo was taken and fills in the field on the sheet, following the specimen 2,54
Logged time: 11,33
